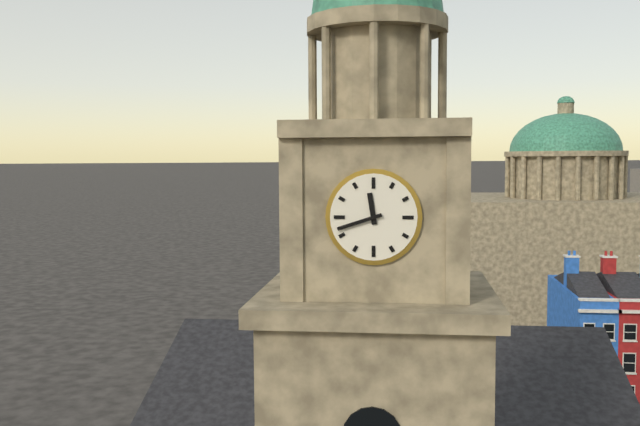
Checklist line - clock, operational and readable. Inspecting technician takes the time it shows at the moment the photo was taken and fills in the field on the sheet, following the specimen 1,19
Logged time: 11,42
